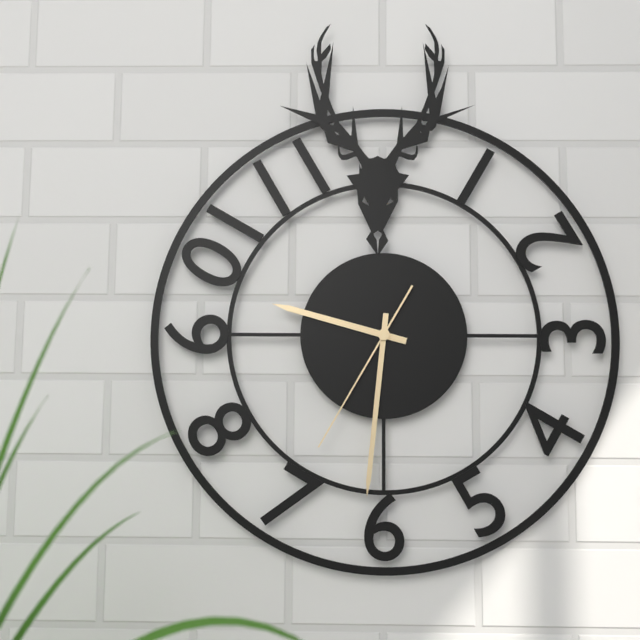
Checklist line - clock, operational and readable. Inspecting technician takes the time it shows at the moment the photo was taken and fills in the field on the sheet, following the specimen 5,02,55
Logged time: 9,31,35
